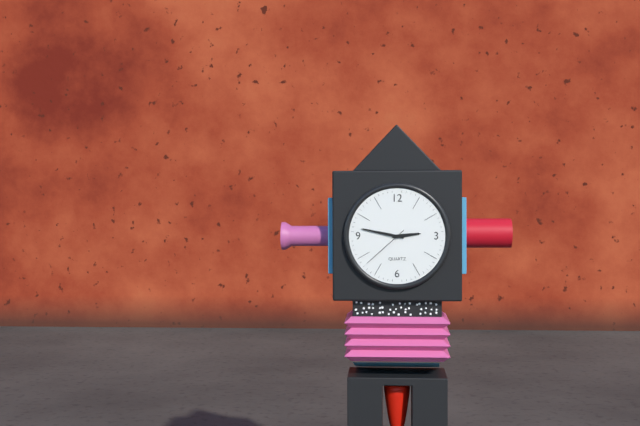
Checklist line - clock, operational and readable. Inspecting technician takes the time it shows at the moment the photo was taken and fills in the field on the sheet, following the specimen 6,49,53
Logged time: 2,47,38
